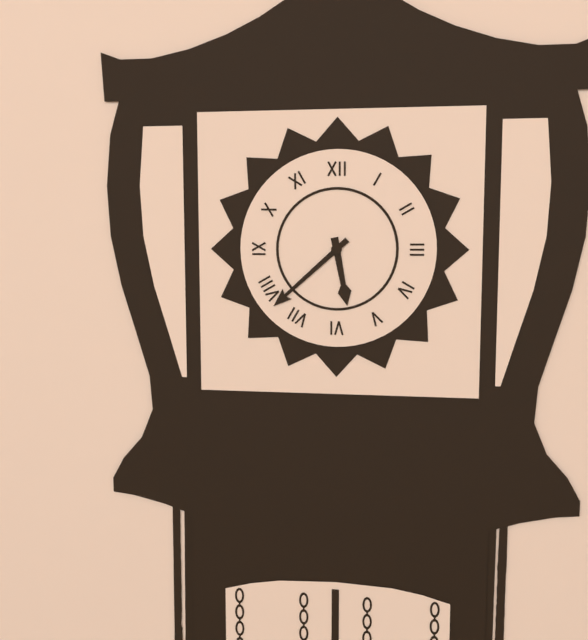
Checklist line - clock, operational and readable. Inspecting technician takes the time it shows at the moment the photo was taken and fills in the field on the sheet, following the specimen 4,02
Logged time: 5,38
